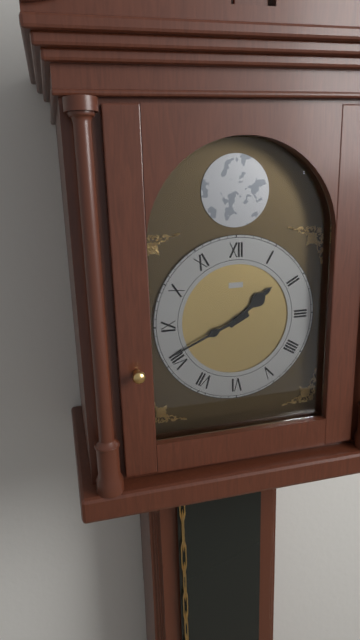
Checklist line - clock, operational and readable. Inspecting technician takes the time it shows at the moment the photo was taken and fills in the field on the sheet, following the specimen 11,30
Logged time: 1,41
